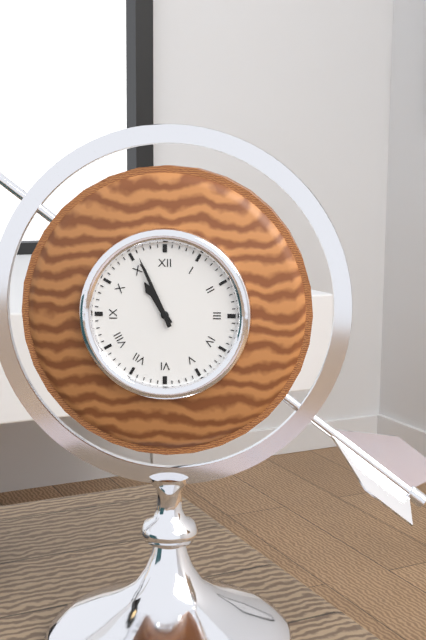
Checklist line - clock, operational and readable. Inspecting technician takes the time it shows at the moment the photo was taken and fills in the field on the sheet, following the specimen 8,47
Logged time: 10,56
